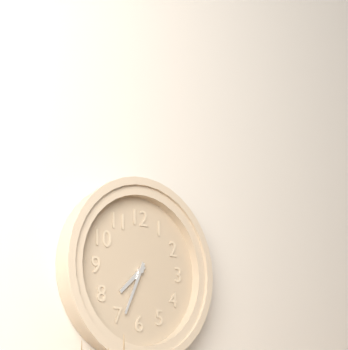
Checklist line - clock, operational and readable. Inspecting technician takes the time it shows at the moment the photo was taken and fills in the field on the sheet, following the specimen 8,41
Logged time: 7,34
